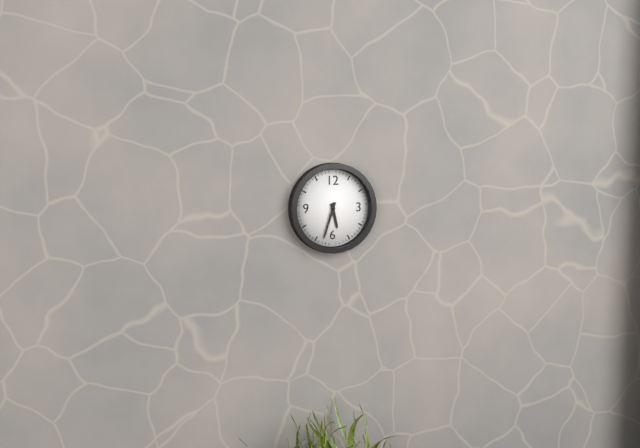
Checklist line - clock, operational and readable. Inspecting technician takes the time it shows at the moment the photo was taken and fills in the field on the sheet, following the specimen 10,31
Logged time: 5,33
